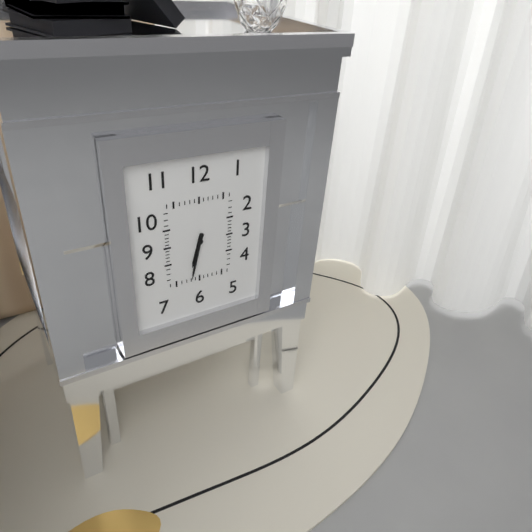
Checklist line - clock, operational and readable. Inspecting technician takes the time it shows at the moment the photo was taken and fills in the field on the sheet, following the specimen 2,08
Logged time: 6,32
